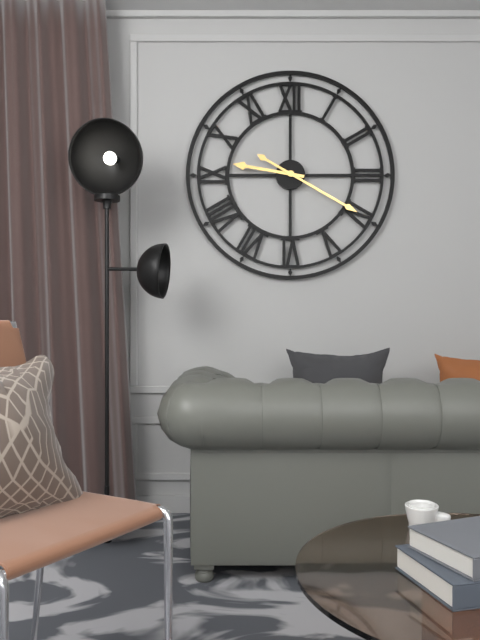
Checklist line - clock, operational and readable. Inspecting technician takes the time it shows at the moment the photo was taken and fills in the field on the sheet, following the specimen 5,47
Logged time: 9,20
